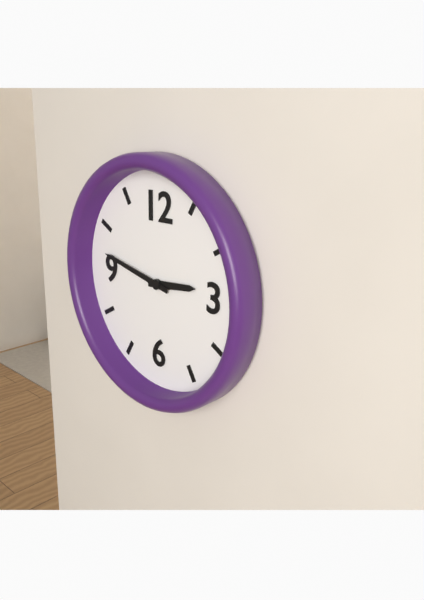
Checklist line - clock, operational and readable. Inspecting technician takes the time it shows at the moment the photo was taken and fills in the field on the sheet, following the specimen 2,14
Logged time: 2,47
